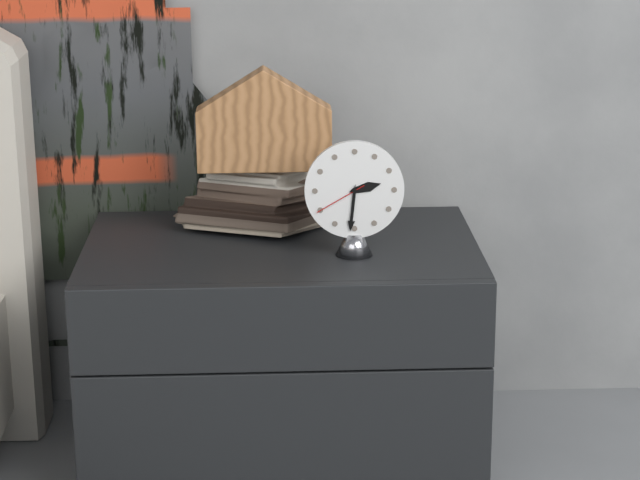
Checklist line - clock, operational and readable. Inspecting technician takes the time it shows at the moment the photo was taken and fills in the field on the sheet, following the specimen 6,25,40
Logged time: 2,31,40
